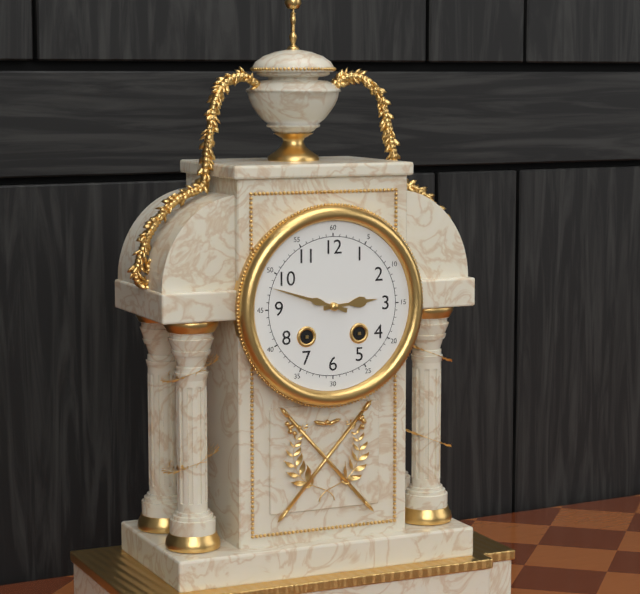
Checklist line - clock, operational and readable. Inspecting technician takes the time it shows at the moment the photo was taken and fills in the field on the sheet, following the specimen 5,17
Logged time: 2,48
